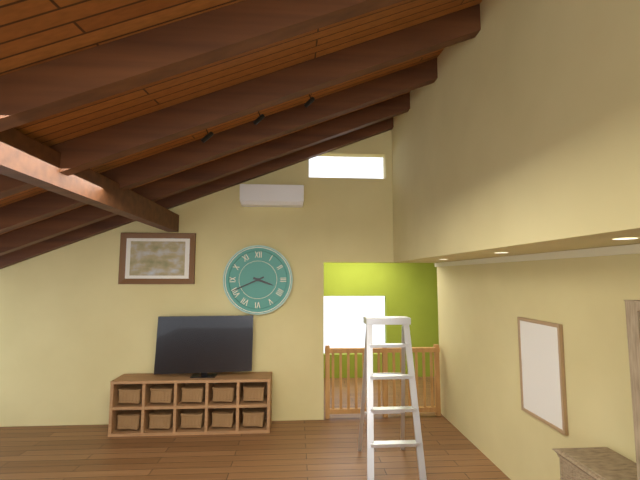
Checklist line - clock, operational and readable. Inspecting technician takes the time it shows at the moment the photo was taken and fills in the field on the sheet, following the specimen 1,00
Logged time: 3,41
